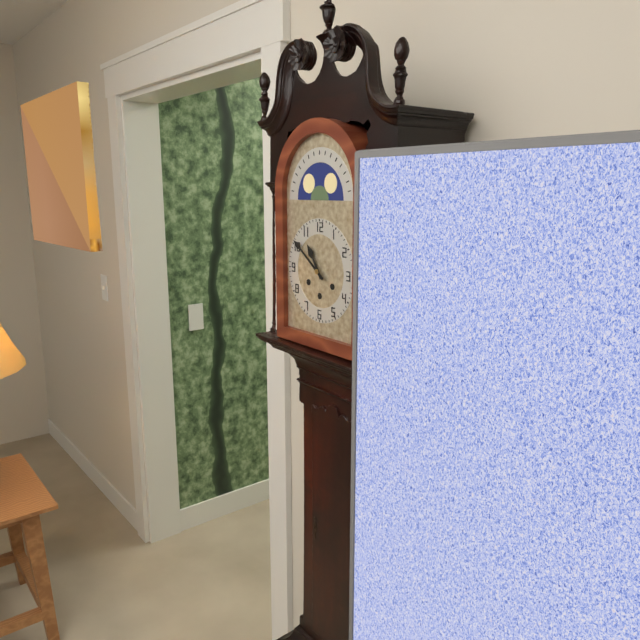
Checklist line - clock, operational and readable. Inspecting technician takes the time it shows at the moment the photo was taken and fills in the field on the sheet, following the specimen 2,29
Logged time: 10,51
